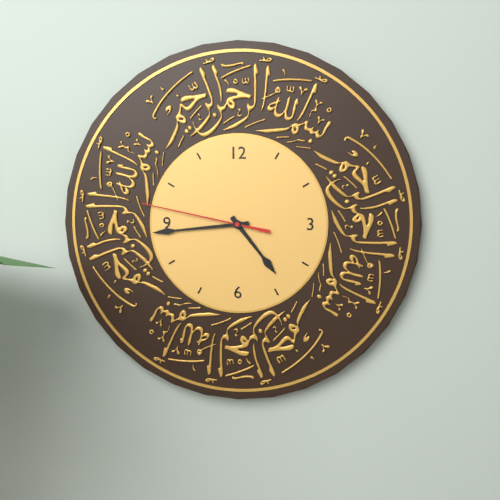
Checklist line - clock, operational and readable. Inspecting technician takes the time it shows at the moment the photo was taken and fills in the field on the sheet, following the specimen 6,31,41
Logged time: 4,44,47
